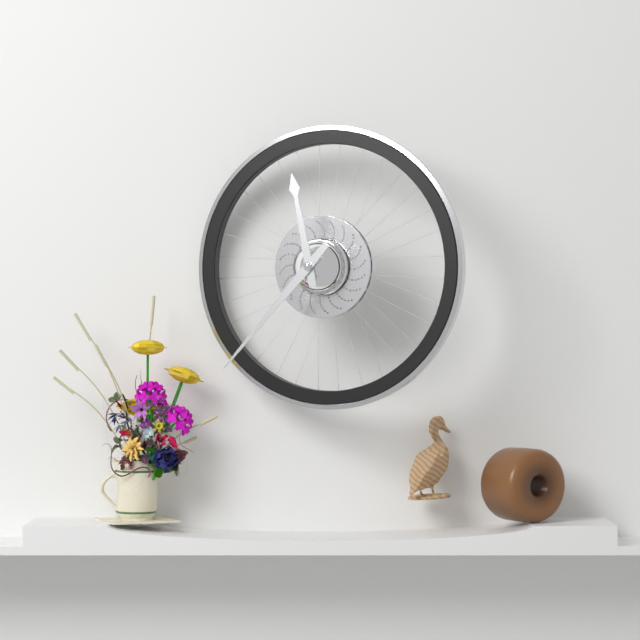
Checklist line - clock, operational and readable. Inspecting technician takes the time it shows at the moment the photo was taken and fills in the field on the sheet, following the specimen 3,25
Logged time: 11,37
